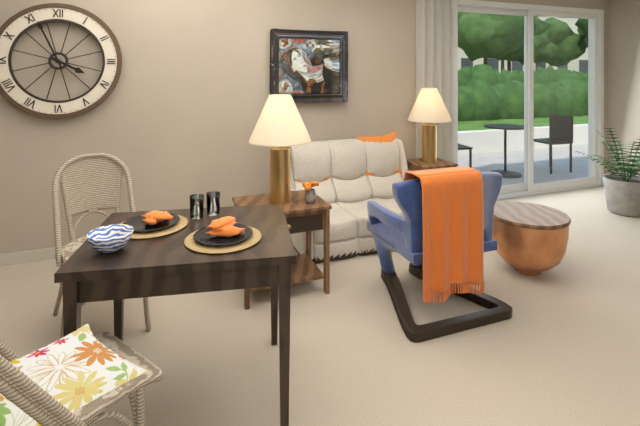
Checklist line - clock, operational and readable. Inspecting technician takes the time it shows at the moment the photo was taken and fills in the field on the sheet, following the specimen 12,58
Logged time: 3,56
